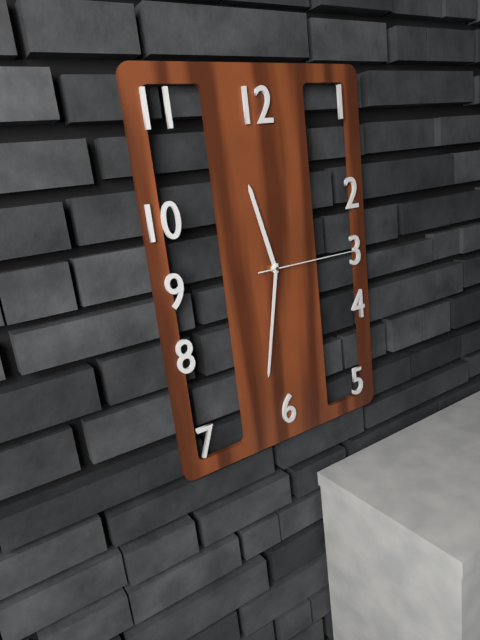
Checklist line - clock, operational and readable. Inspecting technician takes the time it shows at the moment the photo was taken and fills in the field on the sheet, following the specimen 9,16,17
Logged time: 11,32,15
